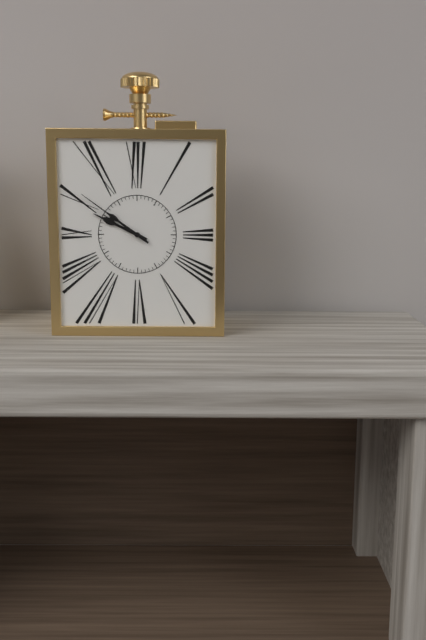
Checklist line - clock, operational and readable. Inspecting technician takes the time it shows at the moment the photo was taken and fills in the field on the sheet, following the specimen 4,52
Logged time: 9,51
